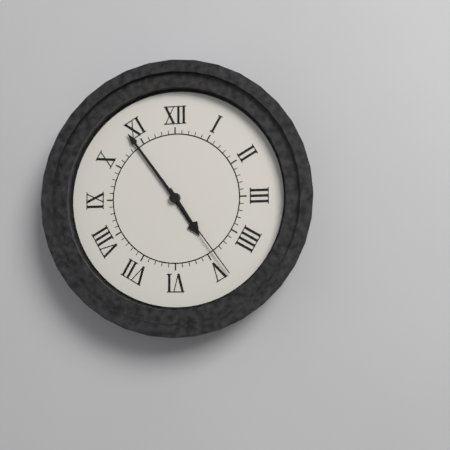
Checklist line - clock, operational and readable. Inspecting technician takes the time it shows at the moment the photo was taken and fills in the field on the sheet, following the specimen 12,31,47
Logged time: 4,54,24
